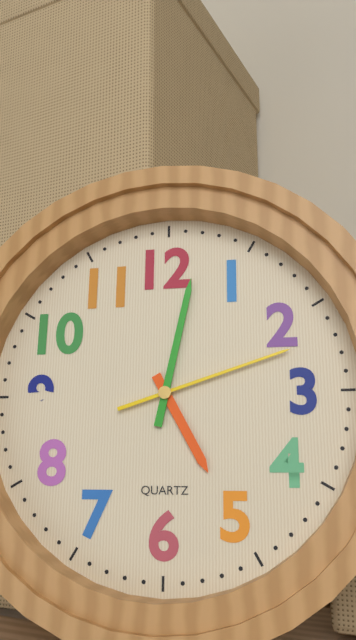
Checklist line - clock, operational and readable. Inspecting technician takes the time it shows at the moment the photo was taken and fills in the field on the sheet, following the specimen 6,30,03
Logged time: 5,02,12
